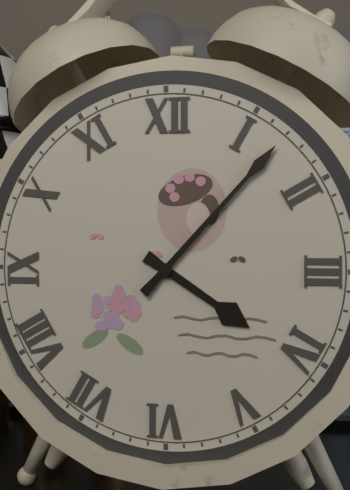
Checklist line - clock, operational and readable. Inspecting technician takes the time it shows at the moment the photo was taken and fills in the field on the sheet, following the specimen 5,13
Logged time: 4,07
